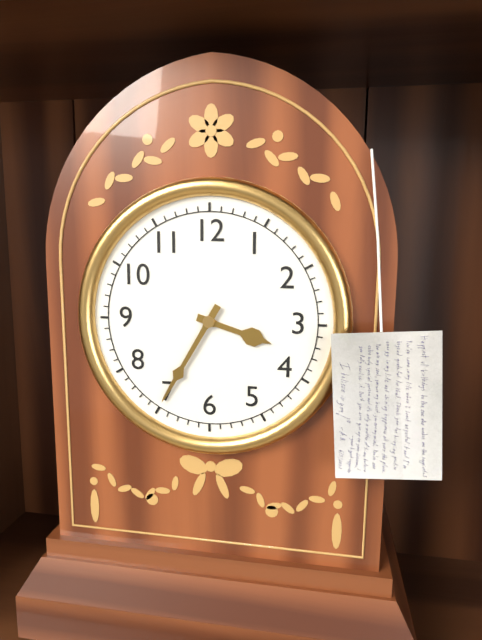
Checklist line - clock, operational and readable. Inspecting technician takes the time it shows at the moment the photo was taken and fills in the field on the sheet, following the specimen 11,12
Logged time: 3,35
